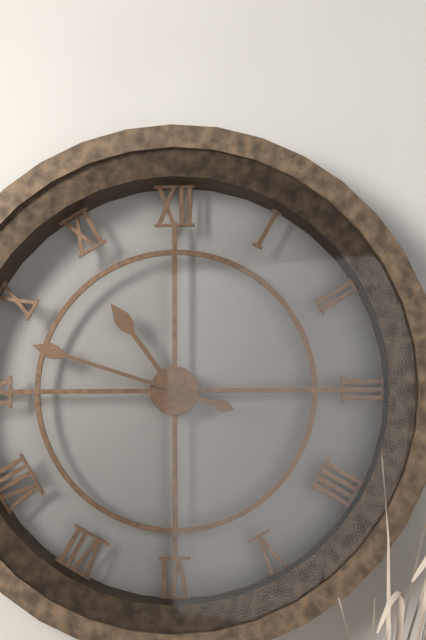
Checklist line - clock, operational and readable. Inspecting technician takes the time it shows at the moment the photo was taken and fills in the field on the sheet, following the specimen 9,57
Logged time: 10,48
